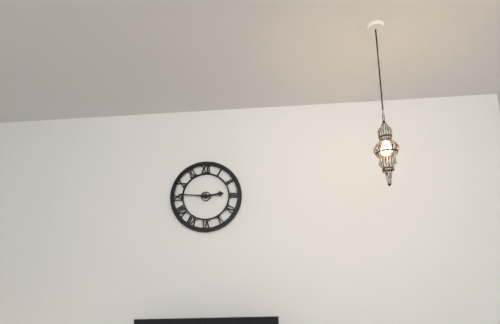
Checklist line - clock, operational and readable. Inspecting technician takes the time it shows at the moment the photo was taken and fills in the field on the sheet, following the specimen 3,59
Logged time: 2,46
